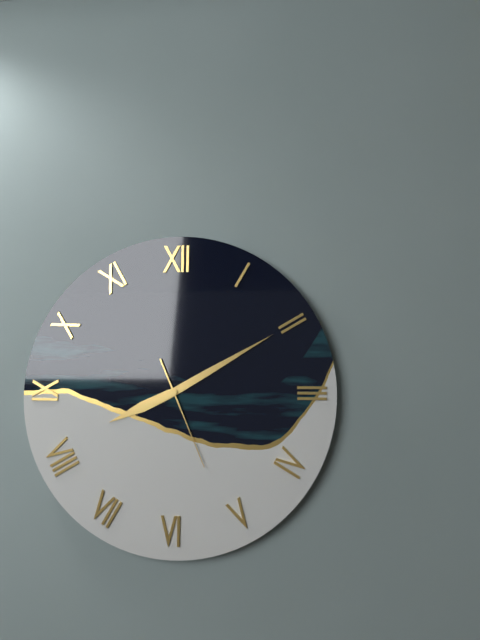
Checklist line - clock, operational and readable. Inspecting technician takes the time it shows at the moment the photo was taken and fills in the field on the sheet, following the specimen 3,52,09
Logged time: 8,10,26
